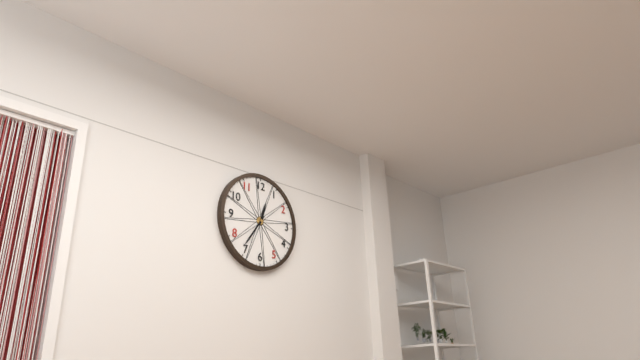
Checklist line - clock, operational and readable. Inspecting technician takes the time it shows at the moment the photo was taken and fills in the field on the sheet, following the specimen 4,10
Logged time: 12,36
